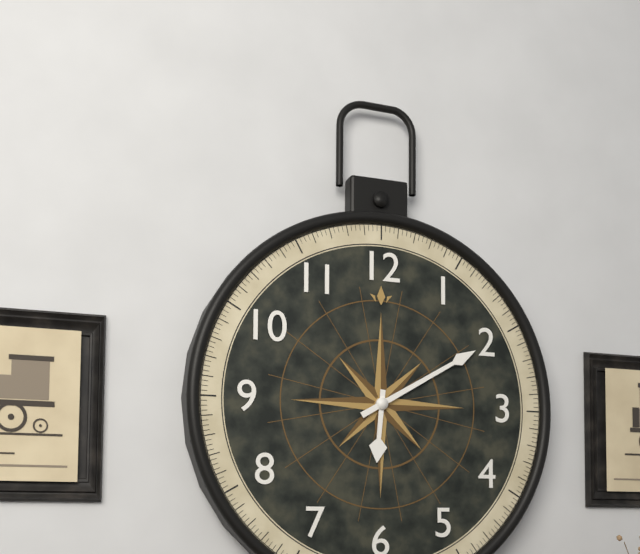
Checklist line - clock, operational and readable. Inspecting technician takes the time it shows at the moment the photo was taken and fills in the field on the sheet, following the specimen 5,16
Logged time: 6,10
